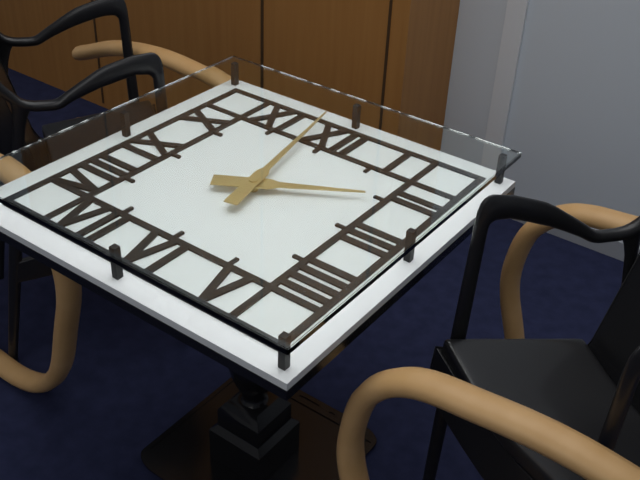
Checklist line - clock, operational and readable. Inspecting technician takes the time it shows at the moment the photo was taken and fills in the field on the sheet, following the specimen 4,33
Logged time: 1,58
